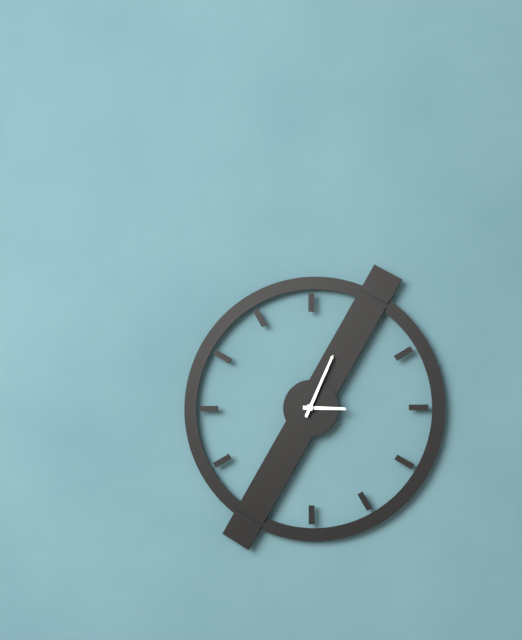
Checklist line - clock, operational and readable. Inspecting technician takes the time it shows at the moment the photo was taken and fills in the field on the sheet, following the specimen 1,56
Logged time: 3,04
